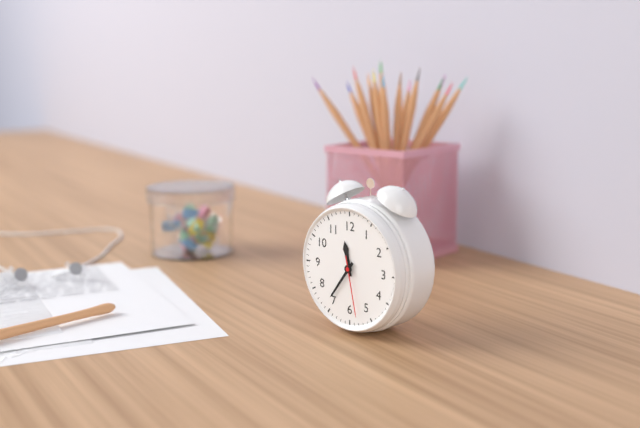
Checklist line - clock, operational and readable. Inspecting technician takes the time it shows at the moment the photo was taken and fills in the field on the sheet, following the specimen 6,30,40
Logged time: 11,36,28
